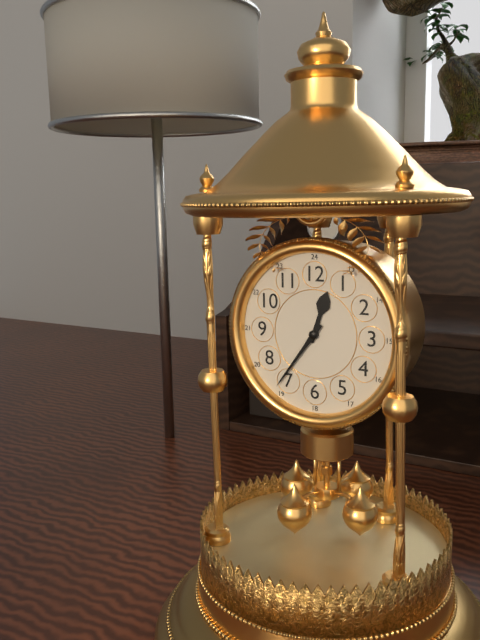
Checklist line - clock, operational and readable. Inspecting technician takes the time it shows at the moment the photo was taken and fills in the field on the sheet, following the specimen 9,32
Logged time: 12,36
